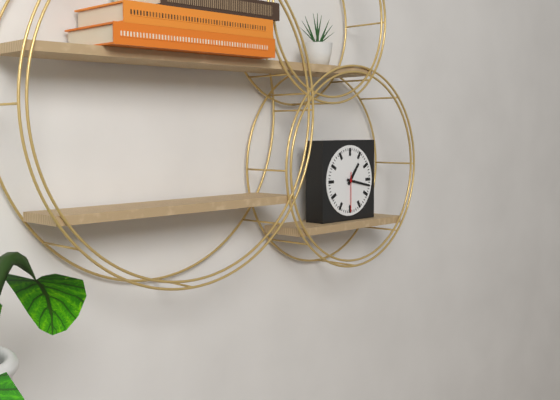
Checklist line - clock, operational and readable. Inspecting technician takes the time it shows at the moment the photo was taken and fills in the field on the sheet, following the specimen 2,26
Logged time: 1,17
